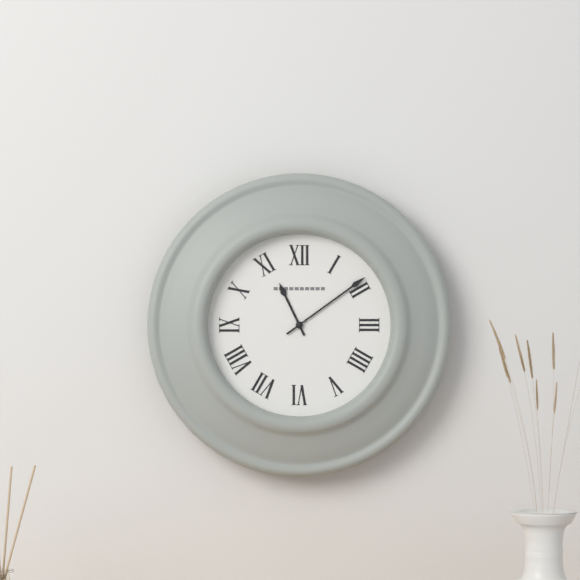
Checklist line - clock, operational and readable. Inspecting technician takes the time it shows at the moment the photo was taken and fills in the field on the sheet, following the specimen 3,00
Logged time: 11,09
